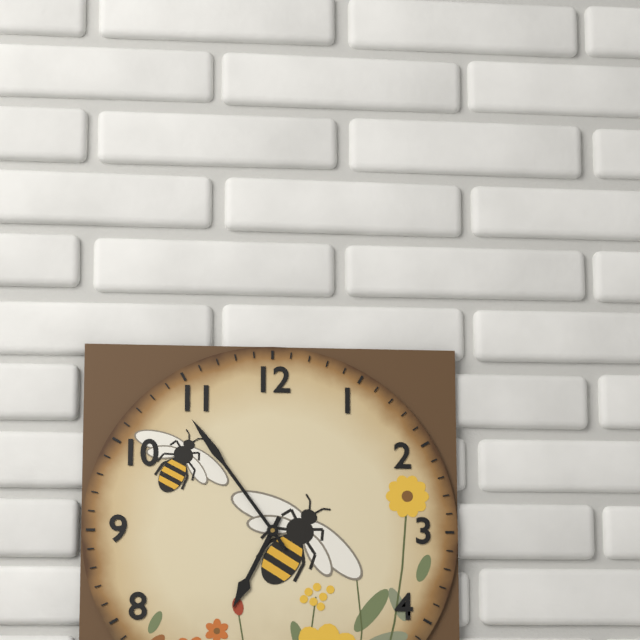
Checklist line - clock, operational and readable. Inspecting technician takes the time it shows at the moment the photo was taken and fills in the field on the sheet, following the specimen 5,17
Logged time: 6,54
